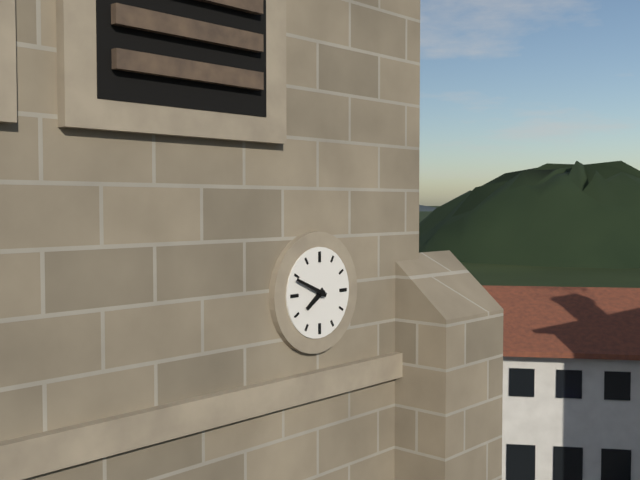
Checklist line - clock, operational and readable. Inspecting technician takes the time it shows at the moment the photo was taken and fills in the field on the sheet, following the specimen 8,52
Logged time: 7,49
